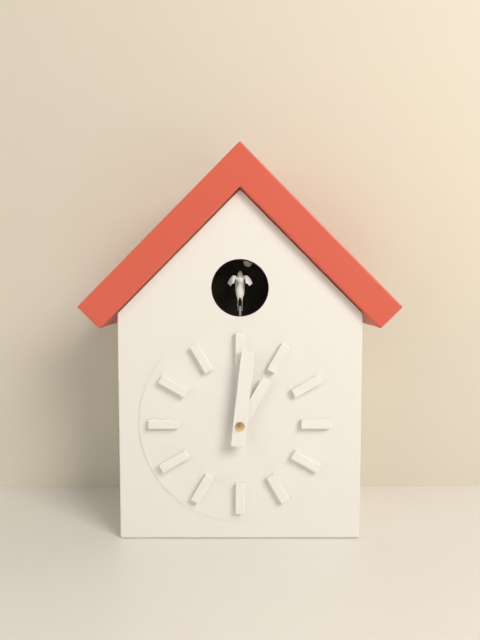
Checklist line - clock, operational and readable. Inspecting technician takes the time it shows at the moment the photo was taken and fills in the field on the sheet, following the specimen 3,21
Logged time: 1,01
